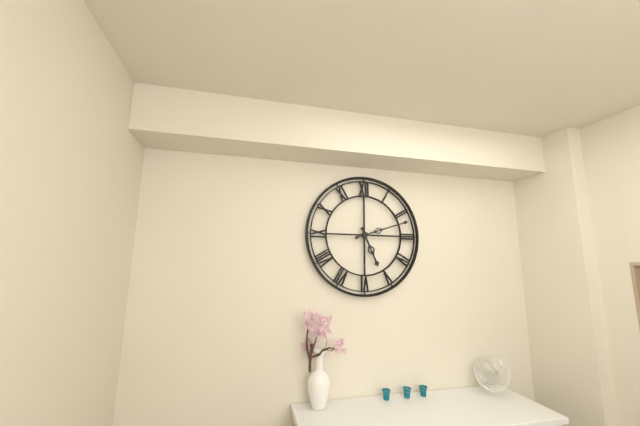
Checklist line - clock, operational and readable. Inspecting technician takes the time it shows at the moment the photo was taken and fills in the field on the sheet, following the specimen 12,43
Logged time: 5,12
